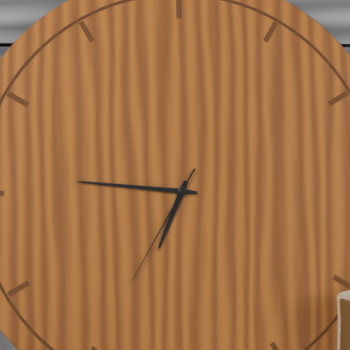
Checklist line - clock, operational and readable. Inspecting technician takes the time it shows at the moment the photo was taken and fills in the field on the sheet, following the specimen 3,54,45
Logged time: 6,46,35
